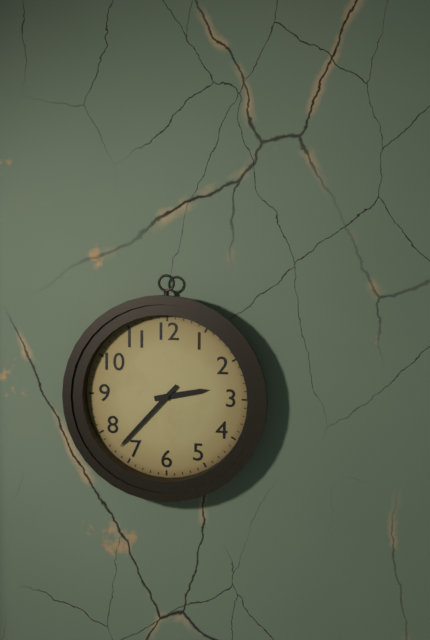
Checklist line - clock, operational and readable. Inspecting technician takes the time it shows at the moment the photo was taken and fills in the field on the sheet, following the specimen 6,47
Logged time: 2,37
